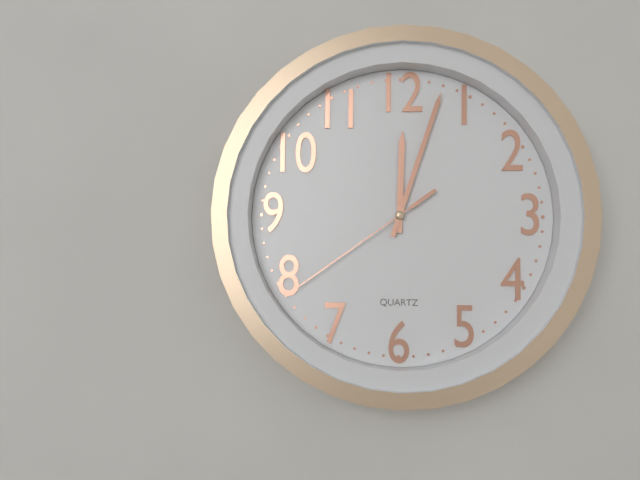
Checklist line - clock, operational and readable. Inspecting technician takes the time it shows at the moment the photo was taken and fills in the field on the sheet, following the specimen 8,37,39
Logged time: 12,03,39
